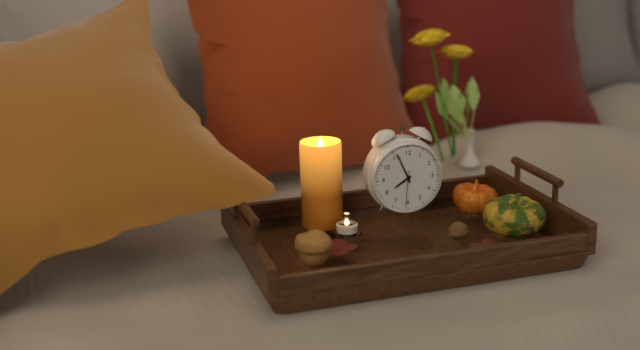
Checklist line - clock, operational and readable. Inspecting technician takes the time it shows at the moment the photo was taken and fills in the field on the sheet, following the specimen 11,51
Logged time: 7,56
